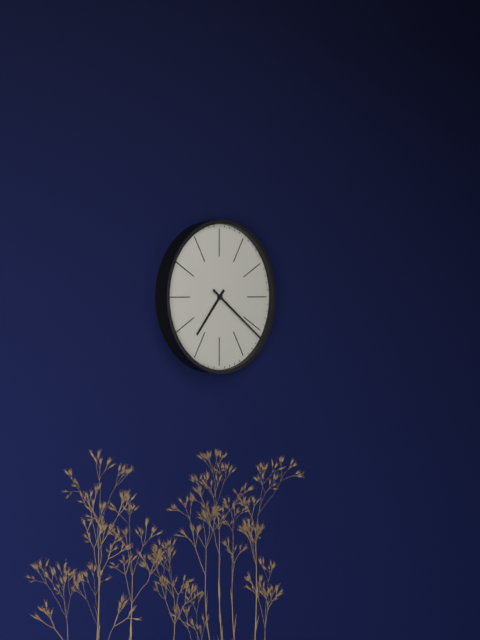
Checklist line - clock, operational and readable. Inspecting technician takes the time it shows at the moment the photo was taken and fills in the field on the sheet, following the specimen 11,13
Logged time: 7,21
